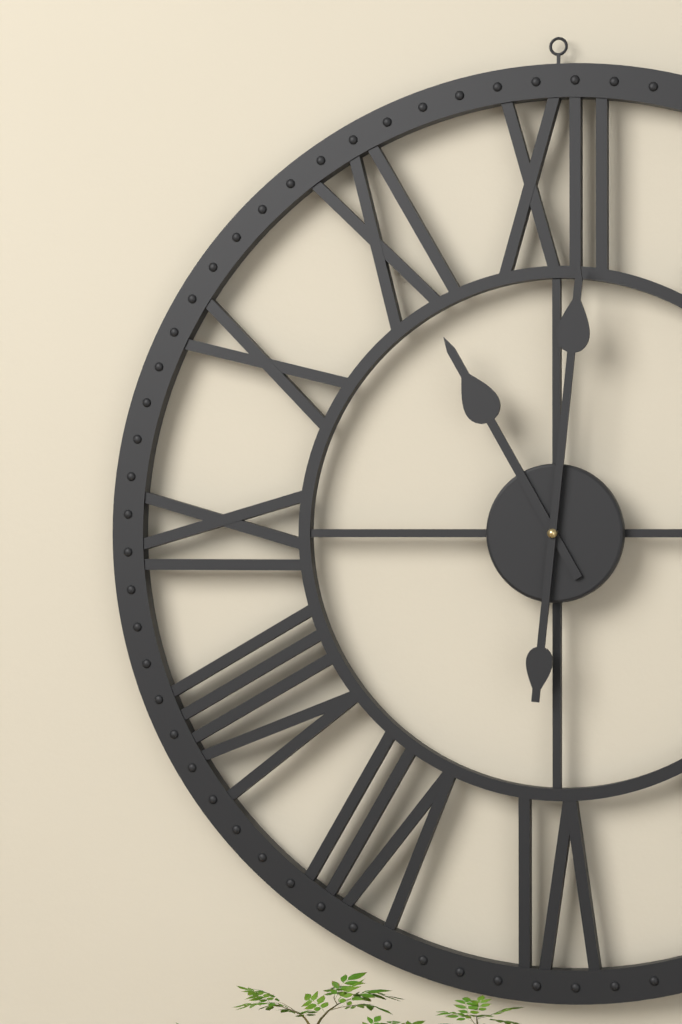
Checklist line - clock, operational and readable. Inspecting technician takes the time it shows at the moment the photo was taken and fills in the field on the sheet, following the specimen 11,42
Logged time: 11,01
